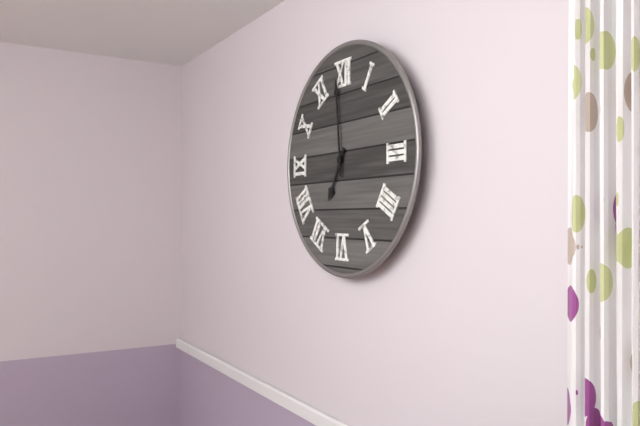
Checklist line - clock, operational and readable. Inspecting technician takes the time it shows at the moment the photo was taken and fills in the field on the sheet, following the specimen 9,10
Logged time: 6,59
